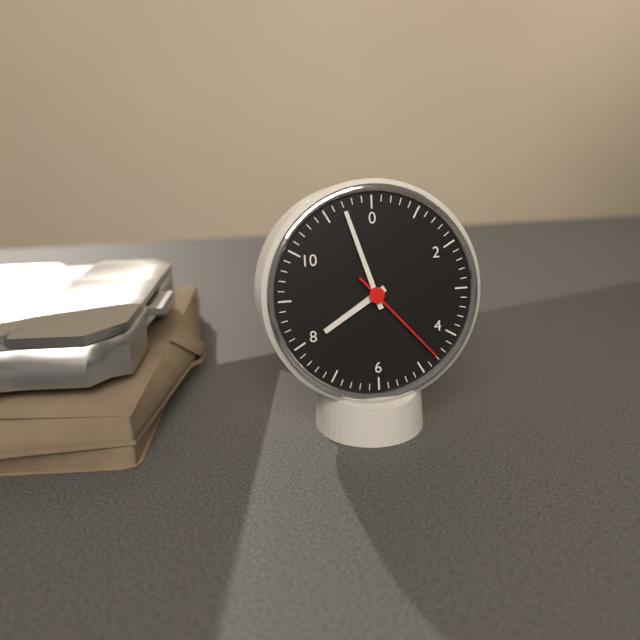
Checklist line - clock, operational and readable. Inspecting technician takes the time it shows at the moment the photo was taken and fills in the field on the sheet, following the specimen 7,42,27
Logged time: 7,57,23
